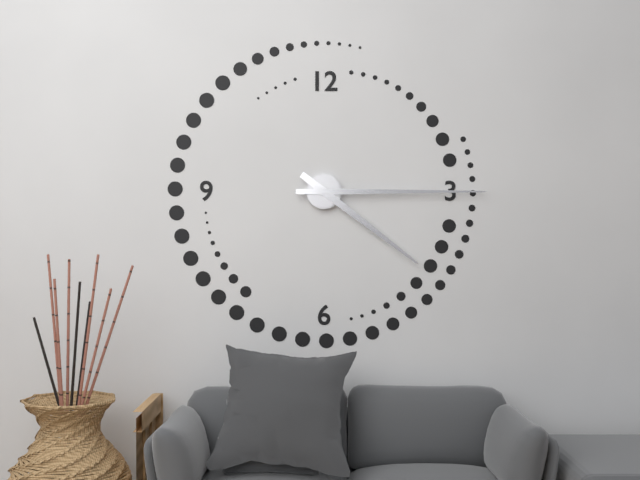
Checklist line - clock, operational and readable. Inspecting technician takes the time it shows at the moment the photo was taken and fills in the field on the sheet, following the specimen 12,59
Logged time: 4,15
